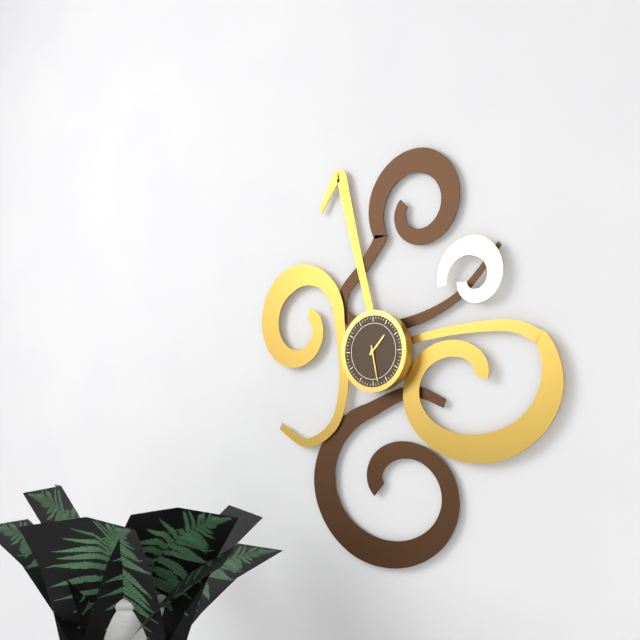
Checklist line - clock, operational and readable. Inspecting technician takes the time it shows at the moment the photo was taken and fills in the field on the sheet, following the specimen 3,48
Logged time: 1,28
